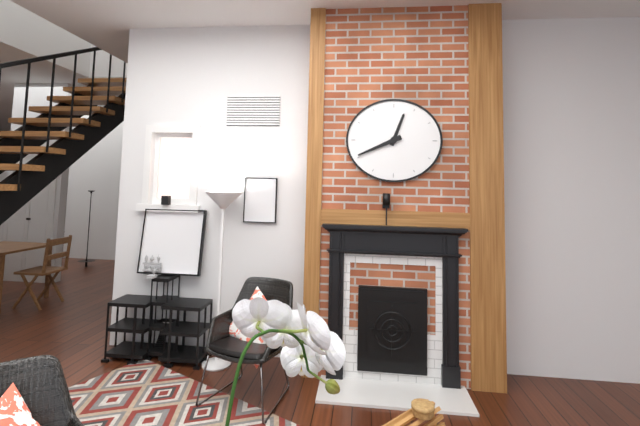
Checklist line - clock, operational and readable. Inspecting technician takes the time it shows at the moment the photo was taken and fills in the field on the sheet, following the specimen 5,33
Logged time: 12,41
